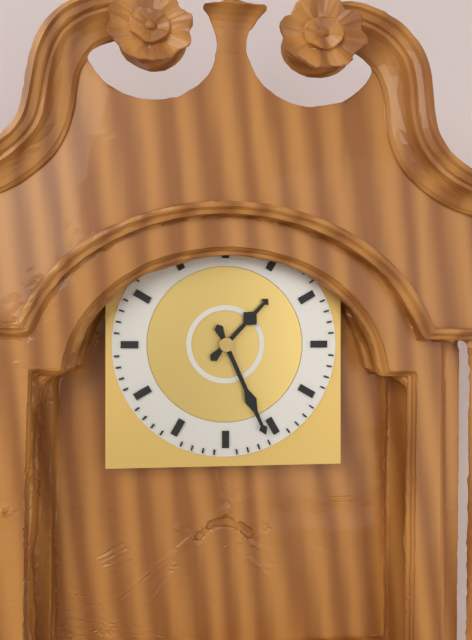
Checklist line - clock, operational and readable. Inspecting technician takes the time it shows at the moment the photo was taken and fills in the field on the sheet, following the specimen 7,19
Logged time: 1,26
